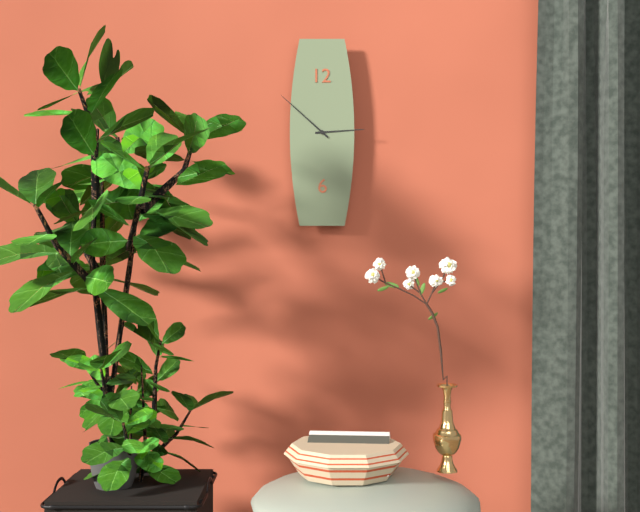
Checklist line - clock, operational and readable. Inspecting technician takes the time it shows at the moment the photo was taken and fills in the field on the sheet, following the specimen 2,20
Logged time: 2,52
